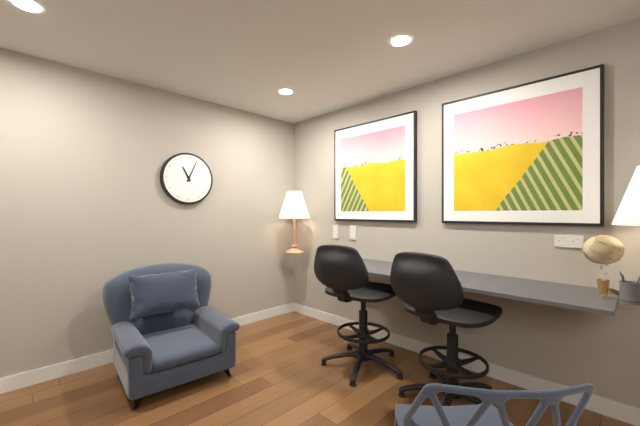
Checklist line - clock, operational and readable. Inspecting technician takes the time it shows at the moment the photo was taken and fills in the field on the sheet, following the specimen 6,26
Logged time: 11,04
